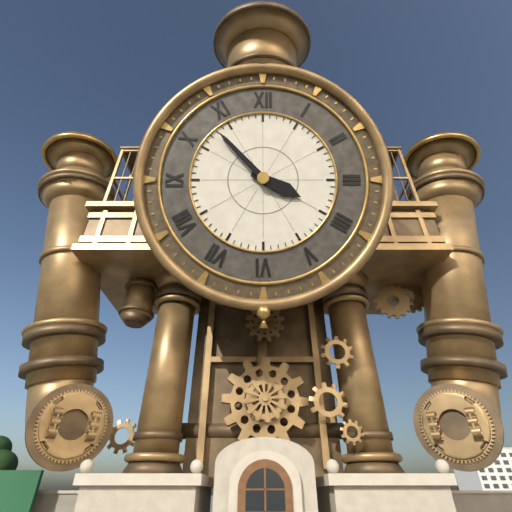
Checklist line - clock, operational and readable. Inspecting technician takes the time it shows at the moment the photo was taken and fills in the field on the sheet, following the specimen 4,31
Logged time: 3,53
